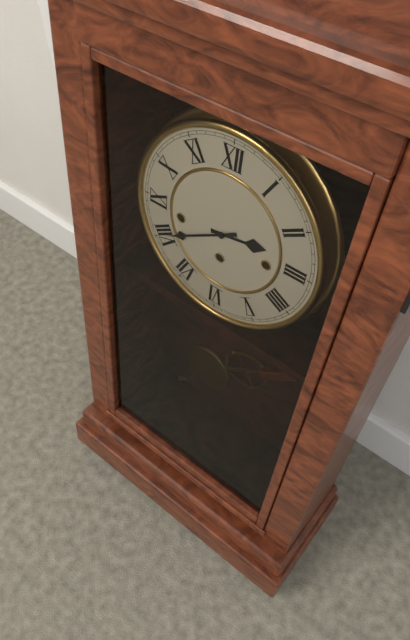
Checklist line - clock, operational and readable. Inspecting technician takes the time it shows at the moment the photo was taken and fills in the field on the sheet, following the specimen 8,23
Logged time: 2,40
